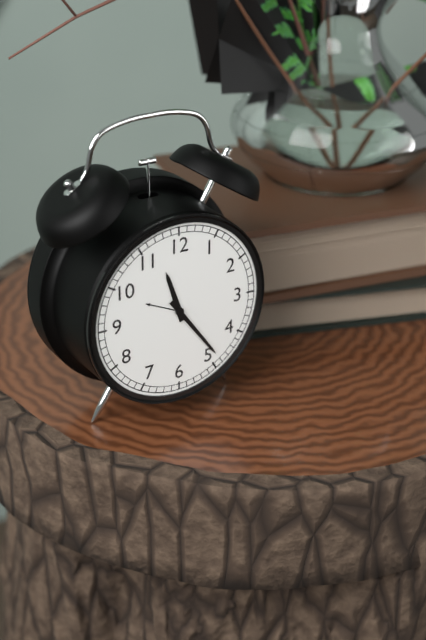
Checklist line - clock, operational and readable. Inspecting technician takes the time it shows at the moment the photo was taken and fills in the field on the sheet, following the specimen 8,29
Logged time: 11,24
